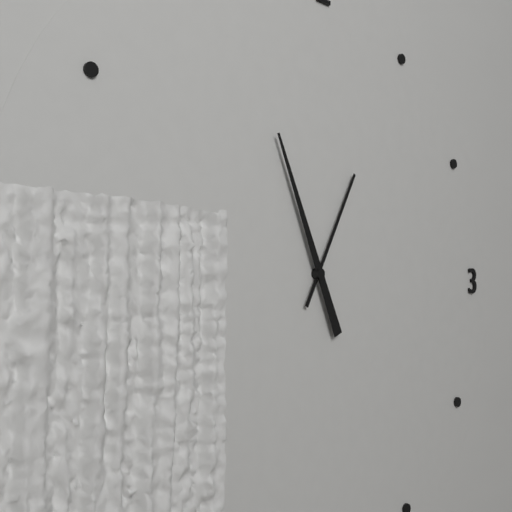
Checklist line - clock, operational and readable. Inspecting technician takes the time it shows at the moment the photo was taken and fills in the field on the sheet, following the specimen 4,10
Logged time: 12,56
